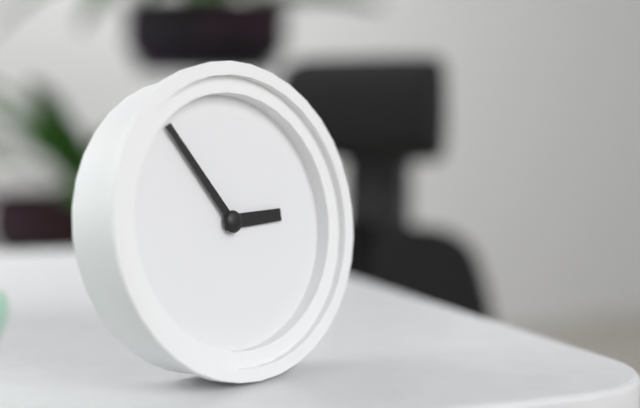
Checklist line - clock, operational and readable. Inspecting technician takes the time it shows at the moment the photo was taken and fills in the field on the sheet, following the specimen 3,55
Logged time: 2,54
